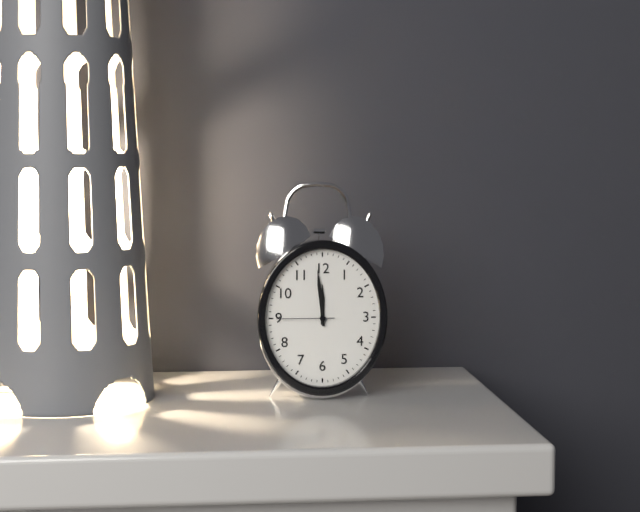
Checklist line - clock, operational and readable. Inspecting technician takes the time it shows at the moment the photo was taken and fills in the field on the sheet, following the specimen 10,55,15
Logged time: 11,59,45
